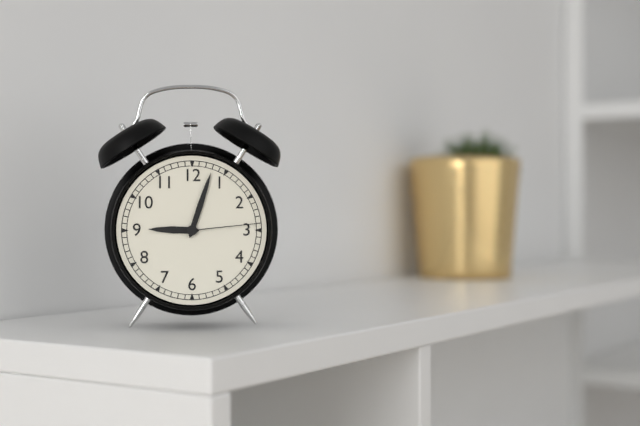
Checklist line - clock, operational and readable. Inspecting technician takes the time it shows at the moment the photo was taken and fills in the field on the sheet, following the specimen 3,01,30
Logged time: 9,03,14
